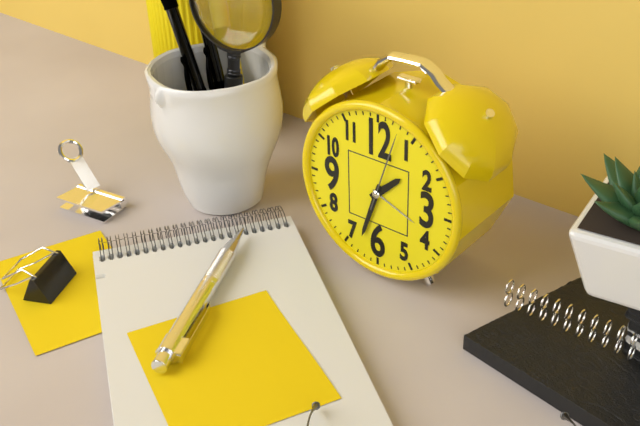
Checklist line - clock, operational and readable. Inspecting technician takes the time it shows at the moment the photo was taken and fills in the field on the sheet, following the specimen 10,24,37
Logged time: 1,33,03
